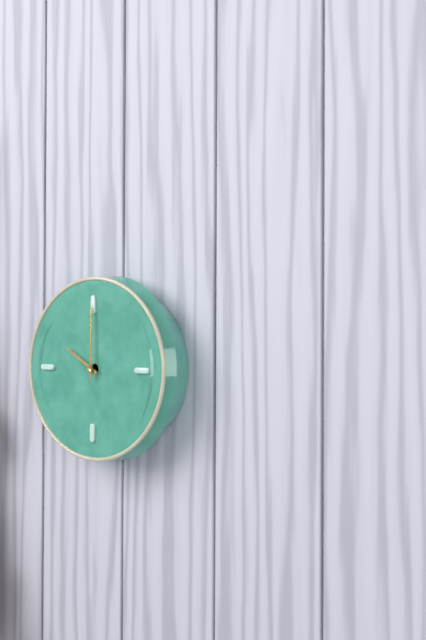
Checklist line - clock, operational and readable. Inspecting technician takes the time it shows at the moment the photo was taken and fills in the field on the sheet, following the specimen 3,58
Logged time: 10,00
